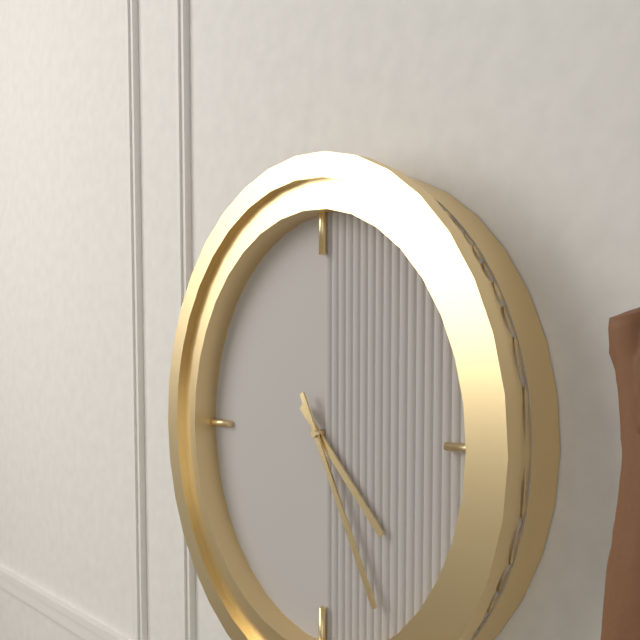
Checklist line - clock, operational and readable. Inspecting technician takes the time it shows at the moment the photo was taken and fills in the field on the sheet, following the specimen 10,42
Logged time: 4,25
